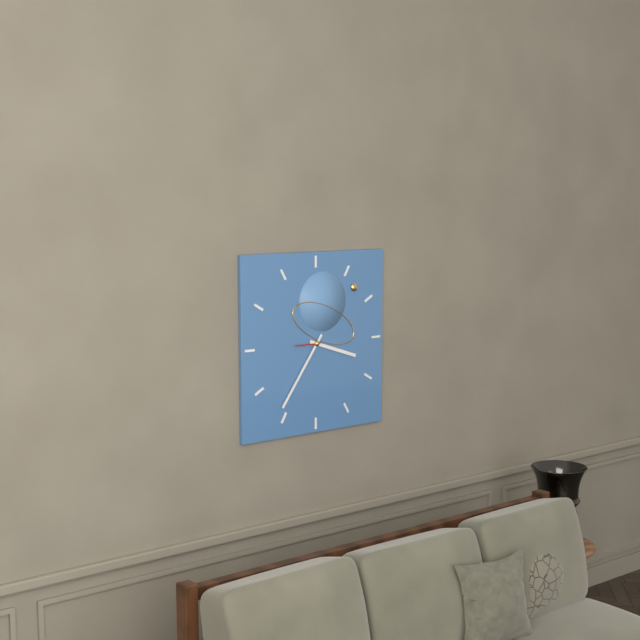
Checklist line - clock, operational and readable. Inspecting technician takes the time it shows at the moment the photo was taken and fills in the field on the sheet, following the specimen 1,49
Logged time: 3,36
